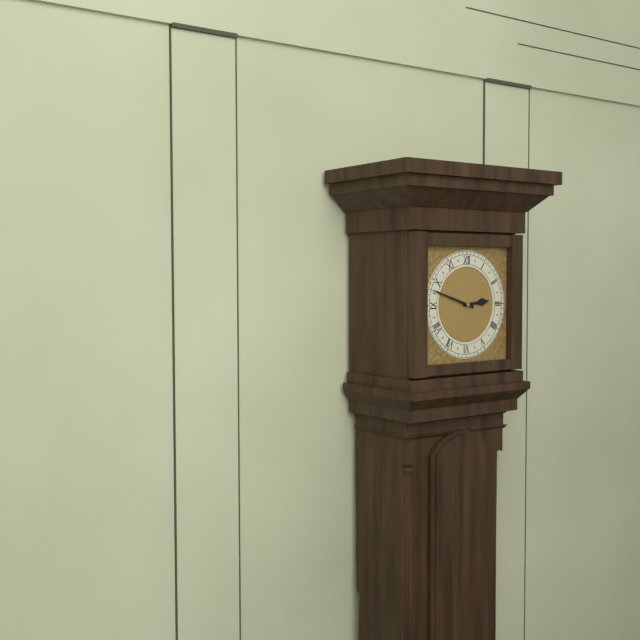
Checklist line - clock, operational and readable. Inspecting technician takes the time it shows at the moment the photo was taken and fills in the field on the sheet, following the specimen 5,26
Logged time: 2,48
